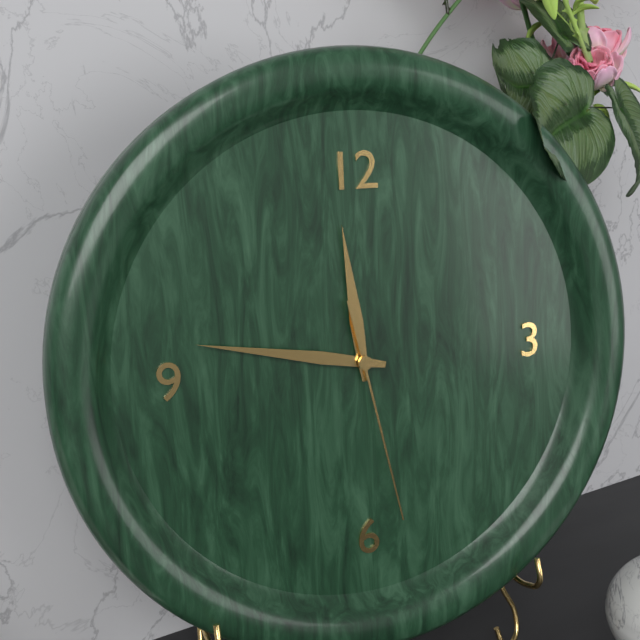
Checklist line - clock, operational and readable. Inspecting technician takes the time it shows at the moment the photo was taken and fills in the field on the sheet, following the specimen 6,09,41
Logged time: 11,47,28
